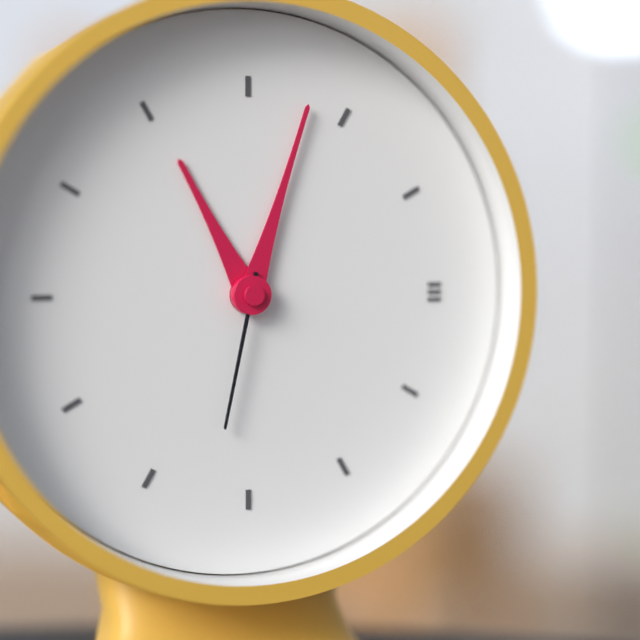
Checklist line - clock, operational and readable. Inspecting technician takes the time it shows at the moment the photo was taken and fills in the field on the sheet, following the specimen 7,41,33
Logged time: 11,03,32
